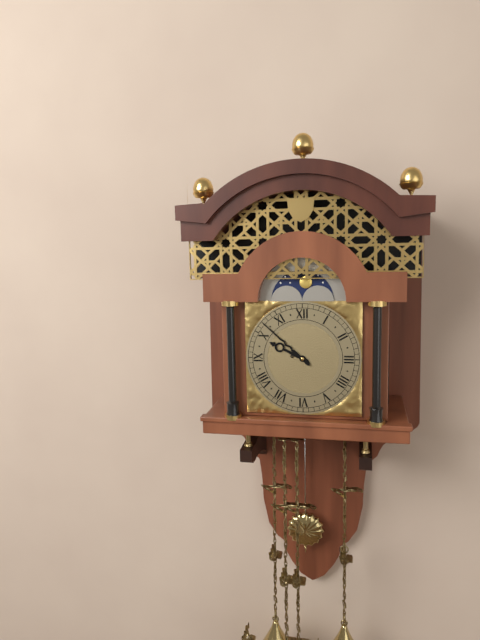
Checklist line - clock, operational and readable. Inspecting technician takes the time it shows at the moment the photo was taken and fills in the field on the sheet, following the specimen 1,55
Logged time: 9,52
